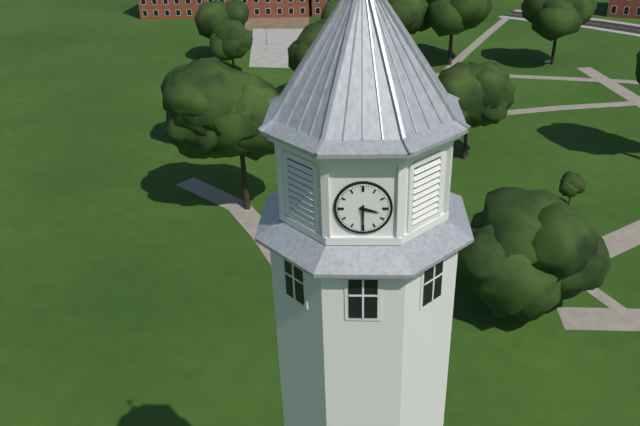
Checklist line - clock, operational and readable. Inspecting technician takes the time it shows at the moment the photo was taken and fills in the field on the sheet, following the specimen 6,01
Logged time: 3,30
